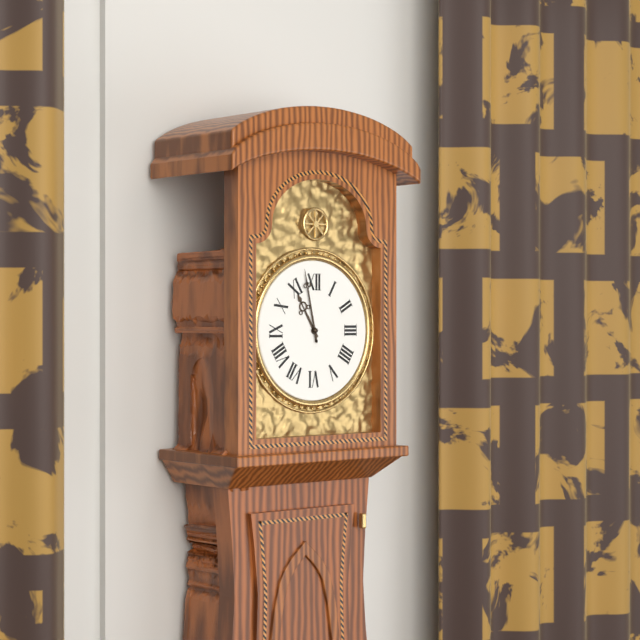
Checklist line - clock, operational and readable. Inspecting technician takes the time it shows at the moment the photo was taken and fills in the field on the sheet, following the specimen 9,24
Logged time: 10,58
